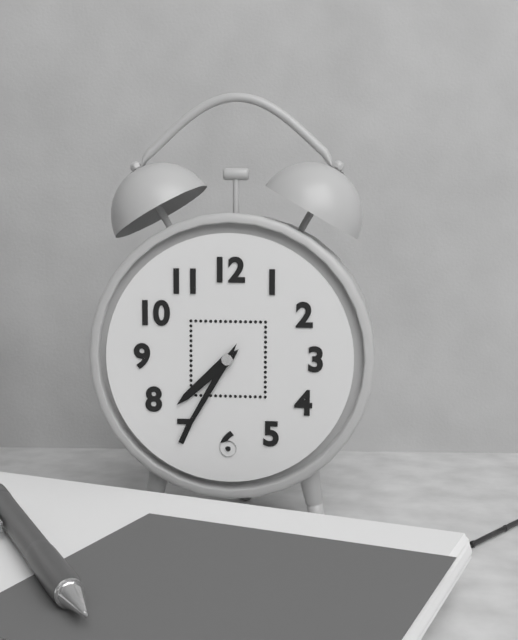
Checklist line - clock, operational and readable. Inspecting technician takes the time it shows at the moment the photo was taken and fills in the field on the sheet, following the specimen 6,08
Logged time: 7,35
